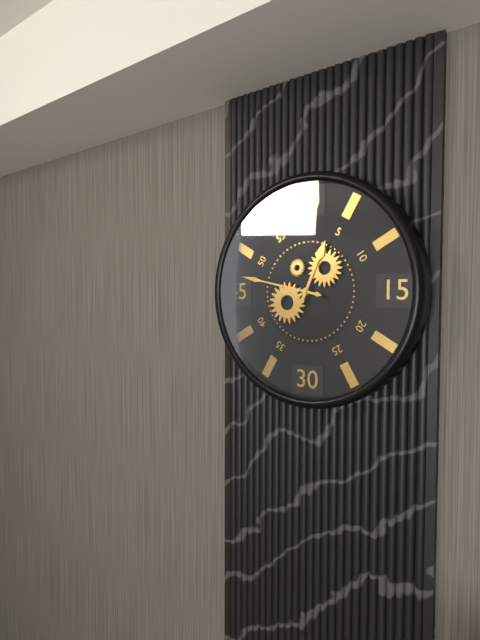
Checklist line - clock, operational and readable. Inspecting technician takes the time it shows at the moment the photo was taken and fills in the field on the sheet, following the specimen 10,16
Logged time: 12,47
